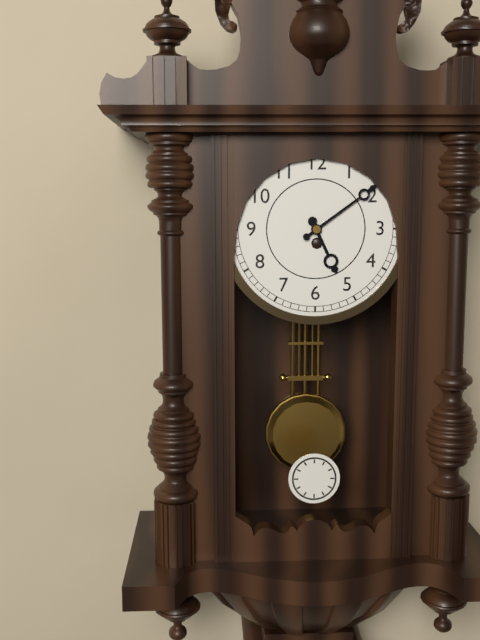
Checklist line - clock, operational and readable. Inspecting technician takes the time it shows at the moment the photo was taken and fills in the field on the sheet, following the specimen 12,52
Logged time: 5,09
